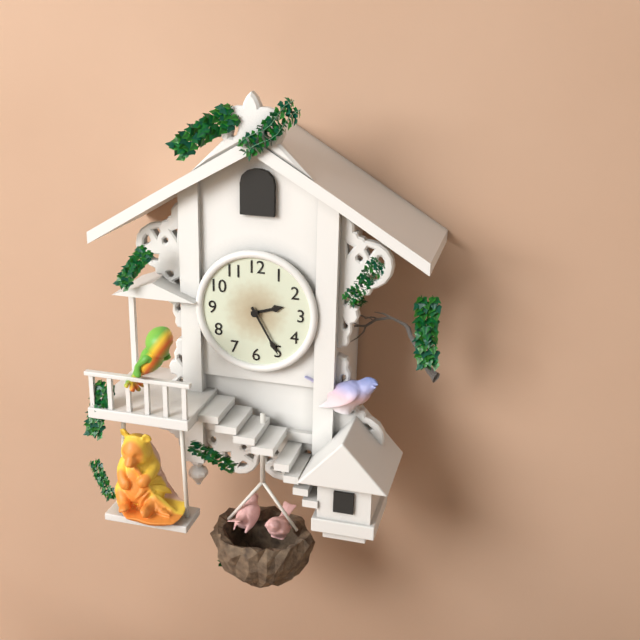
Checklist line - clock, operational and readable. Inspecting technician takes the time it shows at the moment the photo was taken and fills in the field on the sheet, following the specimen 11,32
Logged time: 2,25
